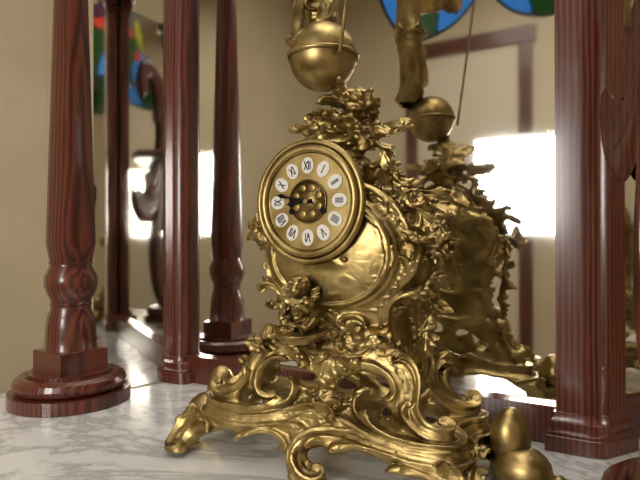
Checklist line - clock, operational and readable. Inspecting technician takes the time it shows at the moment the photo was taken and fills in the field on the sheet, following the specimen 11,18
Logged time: 8,47
